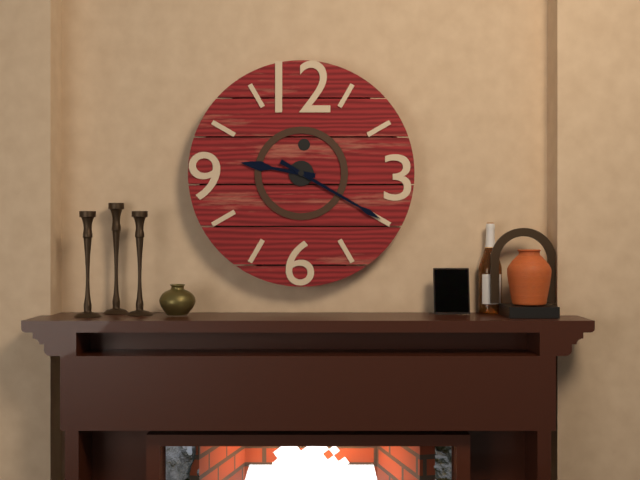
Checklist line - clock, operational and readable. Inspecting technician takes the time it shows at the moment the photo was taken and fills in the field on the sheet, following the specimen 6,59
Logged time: 9,20
